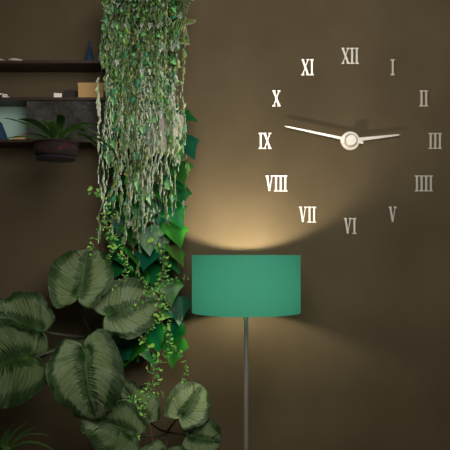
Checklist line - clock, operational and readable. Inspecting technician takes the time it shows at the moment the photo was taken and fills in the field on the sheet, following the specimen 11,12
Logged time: 2,47
